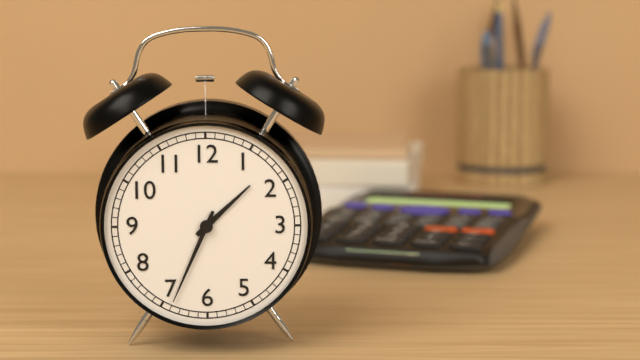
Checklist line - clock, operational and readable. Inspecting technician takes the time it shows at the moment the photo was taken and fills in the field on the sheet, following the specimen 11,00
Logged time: 1,34
